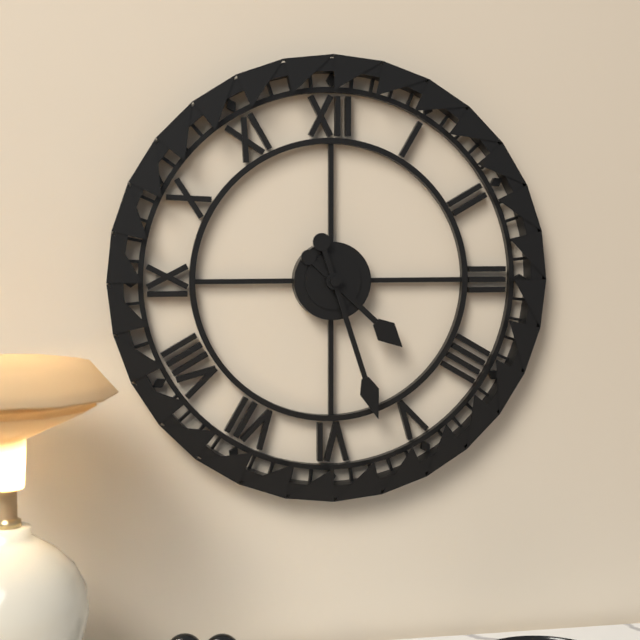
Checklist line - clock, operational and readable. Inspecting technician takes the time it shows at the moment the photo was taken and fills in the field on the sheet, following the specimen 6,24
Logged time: 4,27
